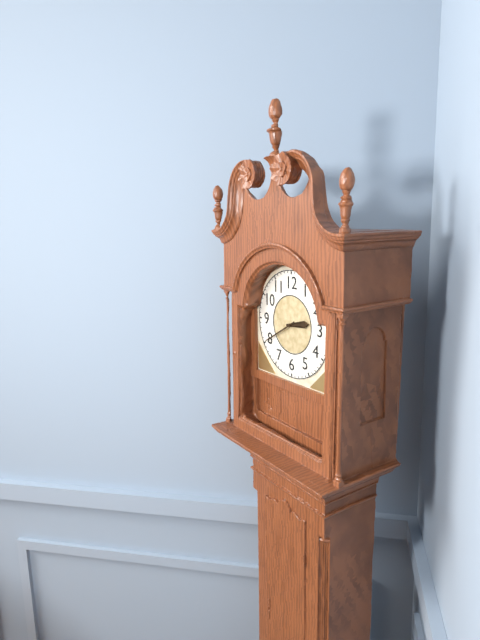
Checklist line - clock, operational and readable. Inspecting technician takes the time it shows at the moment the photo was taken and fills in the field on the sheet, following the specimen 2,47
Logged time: 2,40
